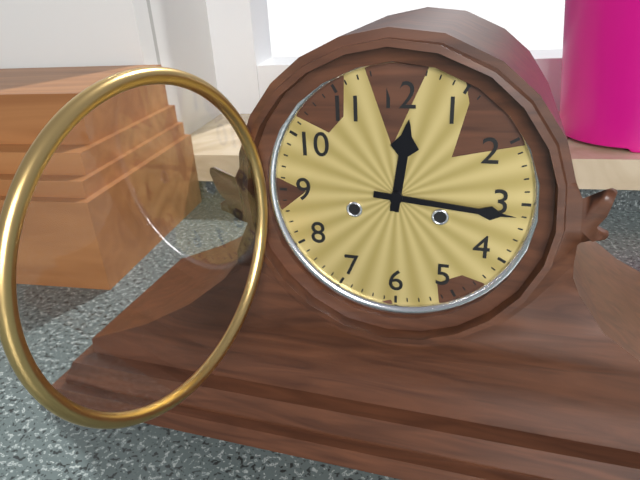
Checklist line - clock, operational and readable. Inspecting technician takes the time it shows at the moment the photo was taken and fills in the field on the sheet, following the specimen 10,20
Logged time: 12,16
